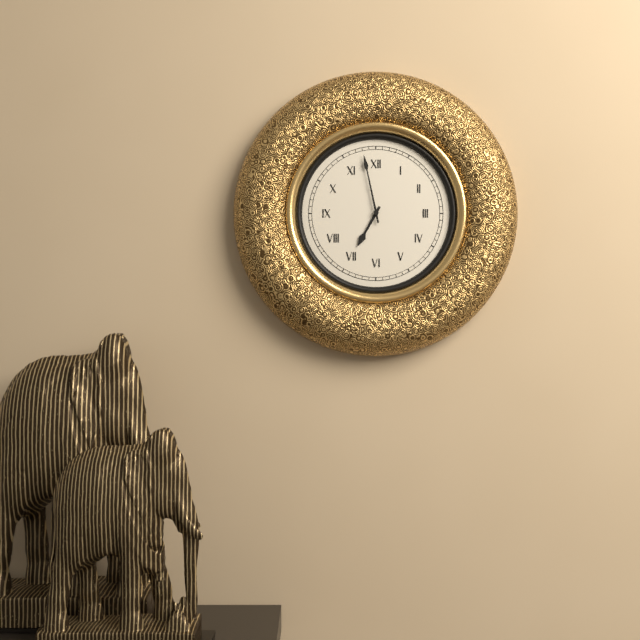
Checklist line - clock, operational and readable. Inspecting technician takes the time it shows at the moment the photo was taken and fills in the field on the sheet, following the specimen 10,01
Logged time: 6,58
